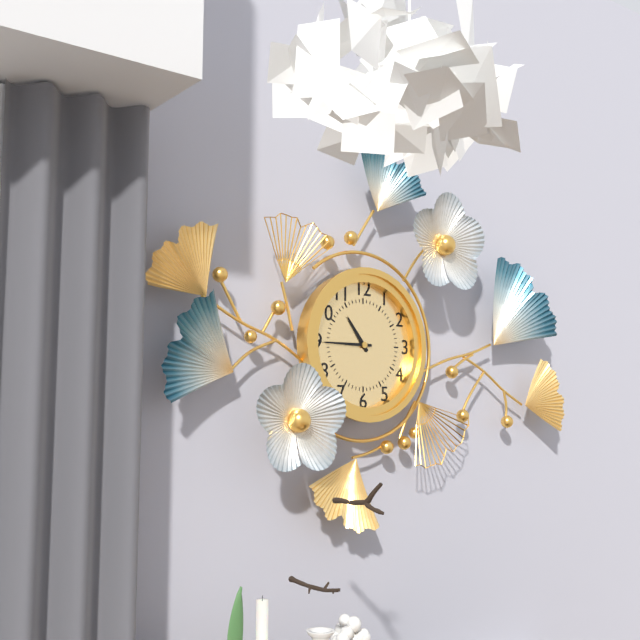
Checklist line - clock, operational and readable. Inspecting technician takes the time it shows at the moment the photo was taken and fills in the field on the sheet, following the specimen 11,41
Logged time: 10,45
